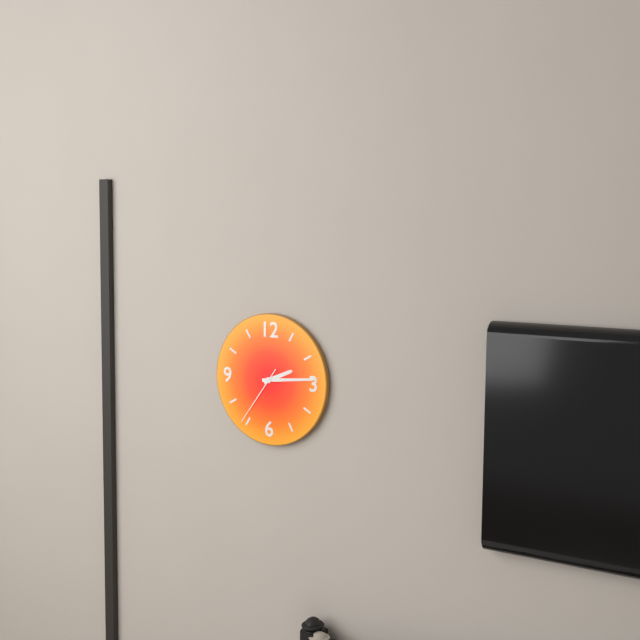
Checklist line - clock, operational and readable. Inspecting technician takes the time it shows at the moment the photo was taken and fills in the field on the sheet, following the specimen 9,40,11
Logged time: 2,14,36
